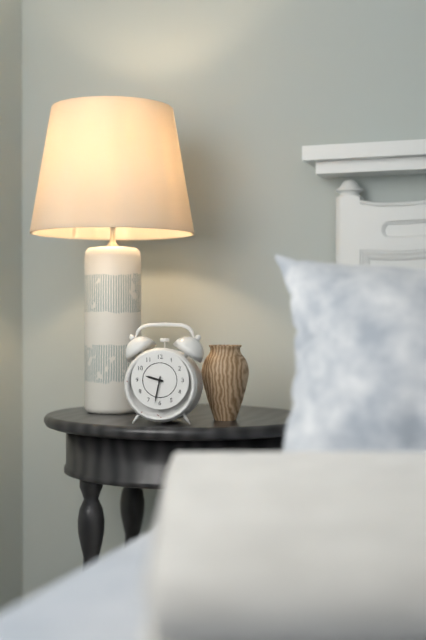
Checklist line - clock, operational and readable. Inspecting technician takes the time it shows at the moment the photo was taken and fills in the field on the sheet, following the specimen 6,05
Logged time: 9,32
